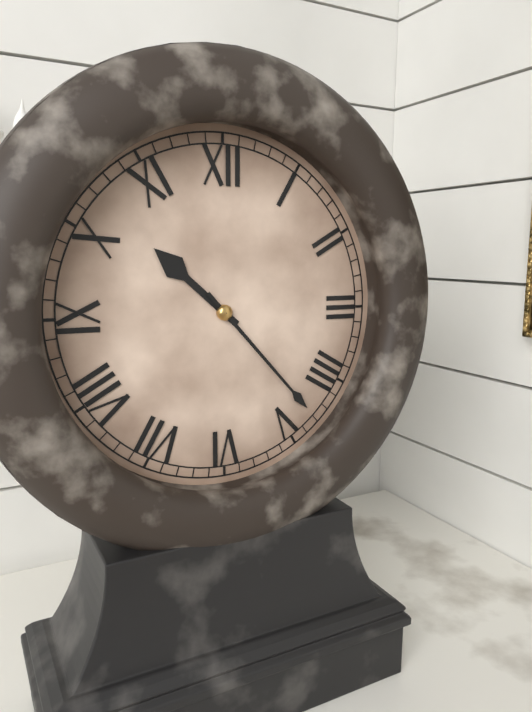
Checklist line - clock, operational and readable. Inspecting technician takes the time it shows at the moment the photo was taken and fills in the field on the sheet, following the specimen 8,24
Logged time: 10,23
